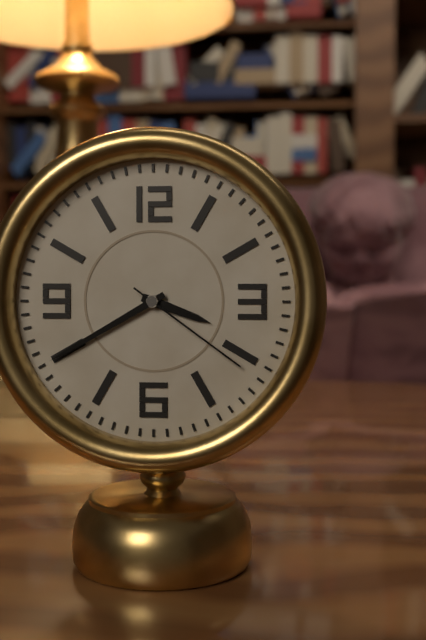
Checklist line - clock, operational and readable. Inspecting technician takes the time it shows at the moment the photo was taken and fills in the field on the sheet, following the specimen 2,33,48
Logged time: 3,40,21
